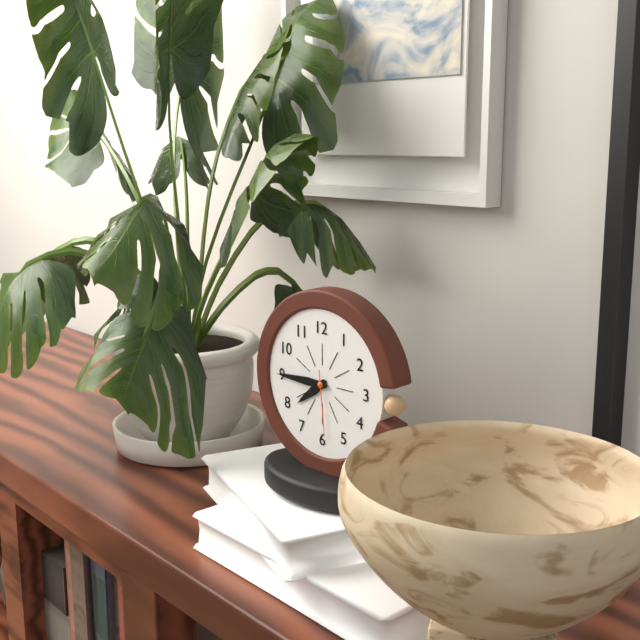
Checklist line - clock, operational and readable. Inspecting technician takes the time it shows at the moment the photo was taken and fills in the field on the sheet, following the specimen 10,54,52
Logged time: 7,45,29
